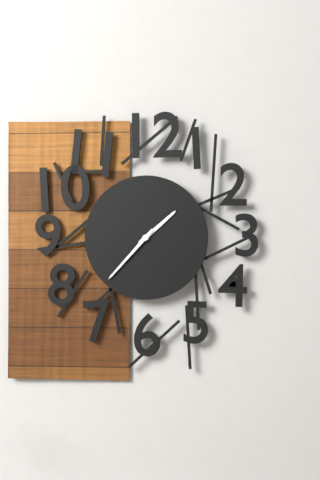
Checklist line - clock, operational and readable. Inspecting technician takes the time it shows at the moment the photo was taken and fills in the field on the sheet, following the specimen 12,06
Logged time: 1,37
